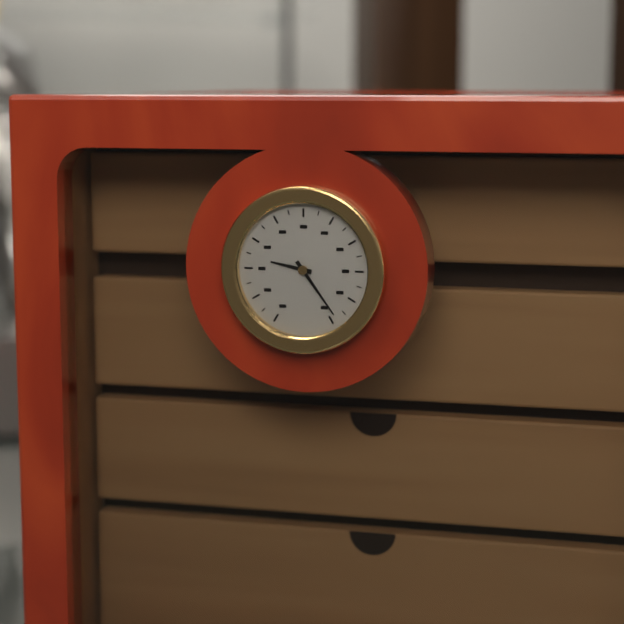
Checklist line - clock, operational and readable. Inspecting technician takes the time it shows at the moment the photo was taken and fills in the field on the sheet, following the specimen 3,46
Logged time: 9,24
